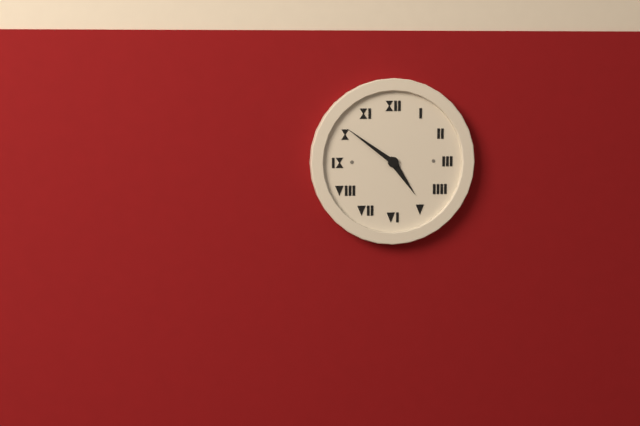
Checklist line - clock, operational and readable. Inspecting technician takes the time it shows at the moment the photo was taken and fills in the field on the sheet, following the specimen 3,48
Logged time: 4,51
